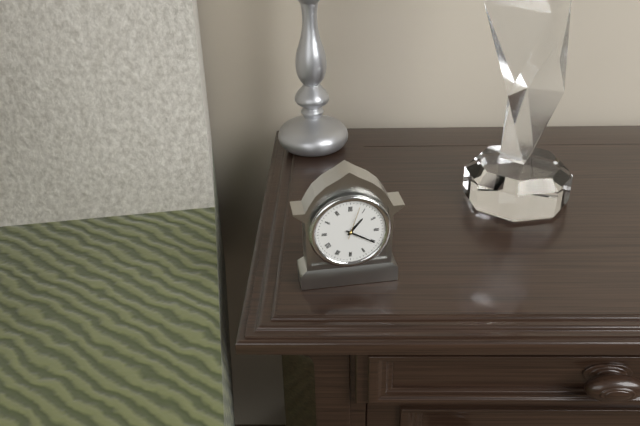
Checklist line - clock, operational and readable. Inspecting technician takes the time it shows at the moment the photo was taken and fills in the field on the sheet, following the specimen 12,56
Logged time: 1,20
